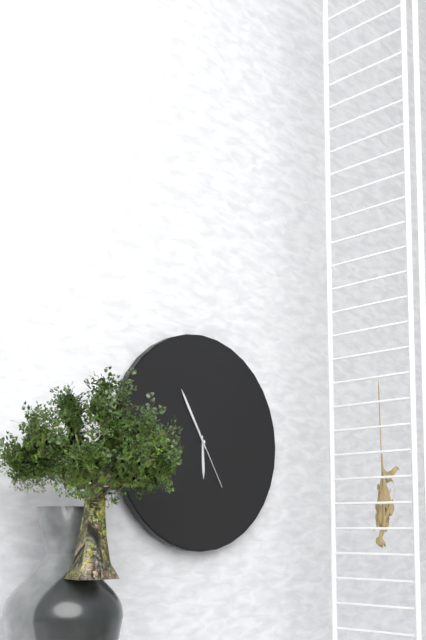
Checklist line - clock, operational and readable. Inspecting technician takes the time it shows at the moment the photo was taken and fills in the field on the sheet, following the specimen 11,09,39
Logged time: 5,55,25
